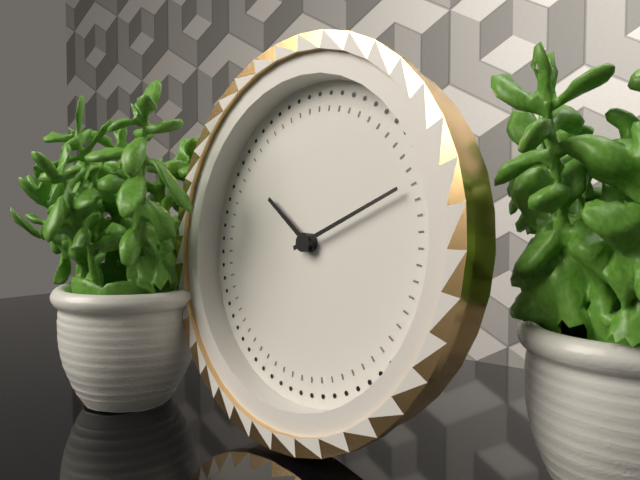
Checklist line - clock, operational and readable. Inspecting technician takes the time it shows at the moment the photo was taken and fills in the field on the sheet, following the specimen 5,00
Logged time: 10,11
